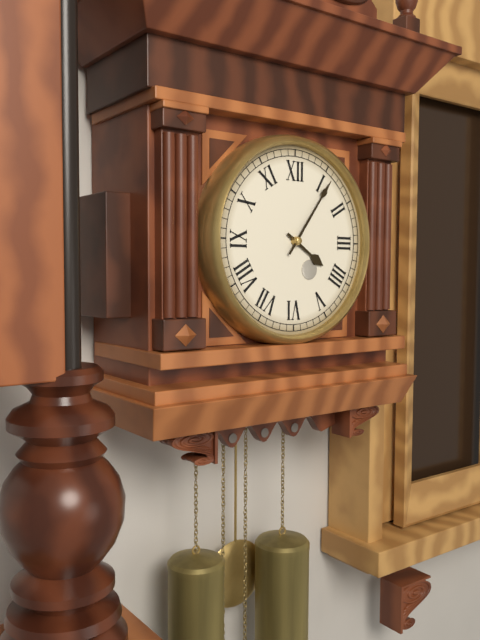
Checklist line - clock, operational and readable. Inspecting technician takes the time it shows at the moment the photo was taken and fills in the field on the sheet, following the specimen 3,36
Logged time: 4,06
